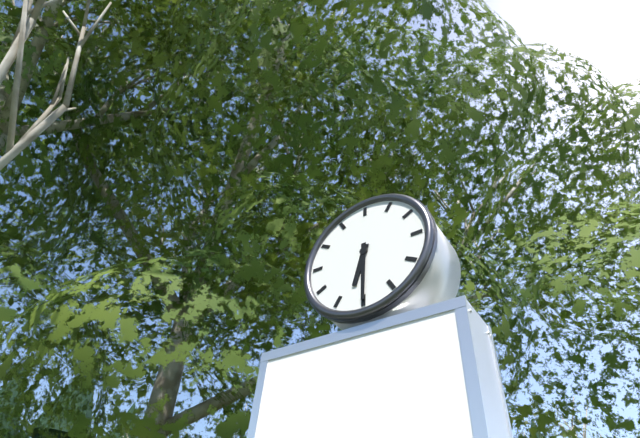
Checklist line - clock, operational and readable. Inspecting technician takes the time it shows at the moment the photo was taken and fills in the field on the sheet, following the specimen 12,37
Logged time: 6,30
